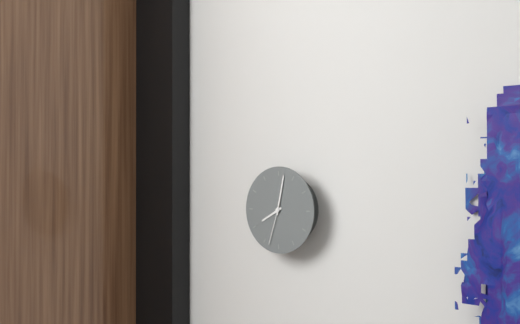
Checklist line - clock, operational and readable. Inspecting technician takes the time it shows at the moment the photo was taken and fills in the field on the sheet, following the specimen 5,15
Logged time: 8,02
